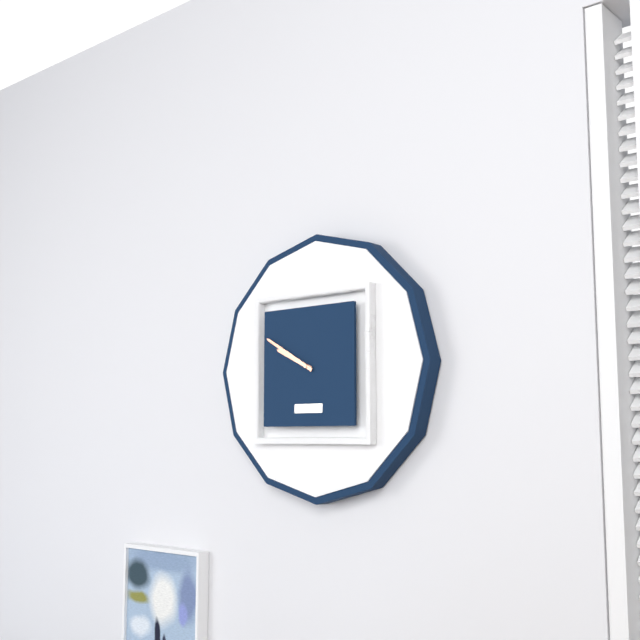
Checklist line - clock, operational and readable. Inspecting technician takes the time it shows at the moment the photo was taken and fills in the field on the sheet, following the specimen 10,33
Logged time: 9,50
